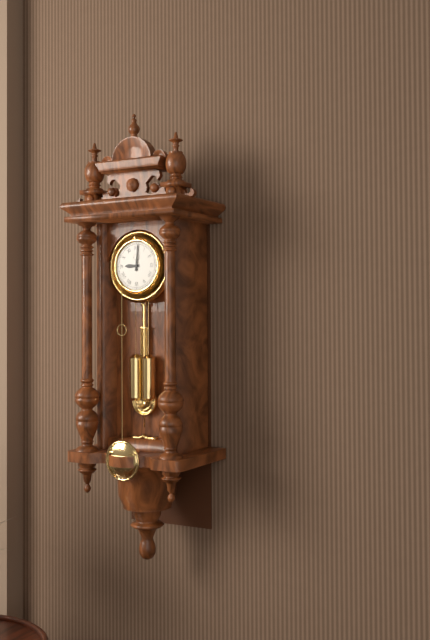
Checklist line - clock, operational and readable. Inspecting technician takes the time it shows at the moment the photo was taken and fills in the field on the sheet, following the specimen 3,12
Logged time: 9,01
